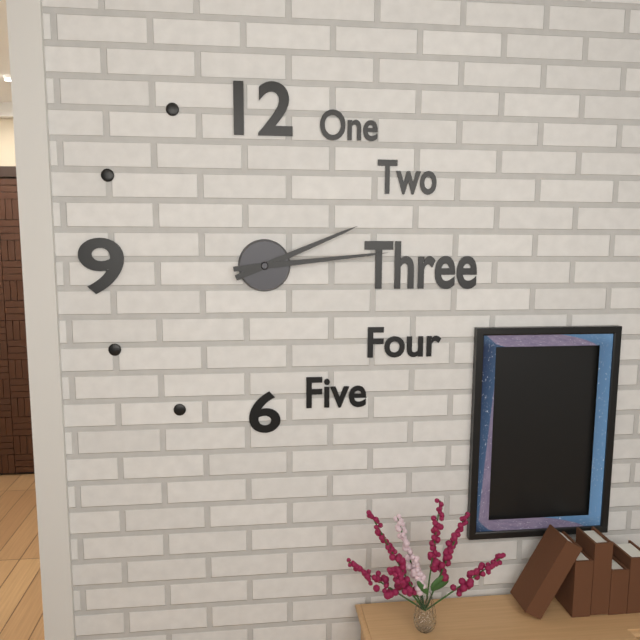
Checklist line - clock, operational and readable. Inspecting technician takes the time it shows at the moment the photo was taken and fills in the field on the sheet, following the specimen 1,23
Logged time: 2,14
